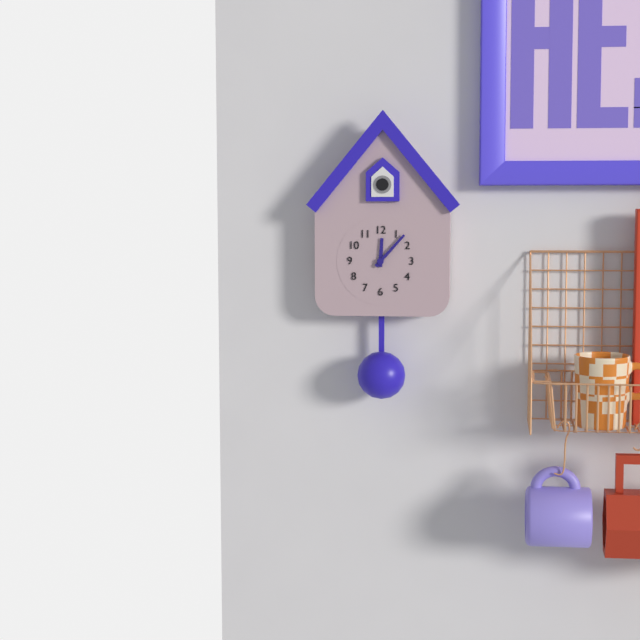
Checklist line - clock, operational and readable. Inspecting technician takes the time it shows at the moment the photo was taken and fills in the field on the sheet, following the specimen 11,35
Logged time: 12,07
